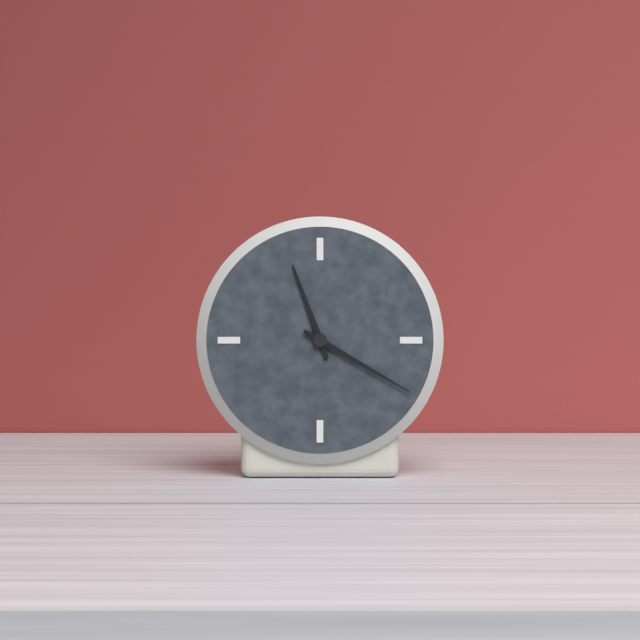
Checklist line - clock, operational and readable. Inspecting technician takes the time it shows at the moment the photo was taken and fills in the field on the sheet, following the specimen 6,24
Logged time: 11,20
